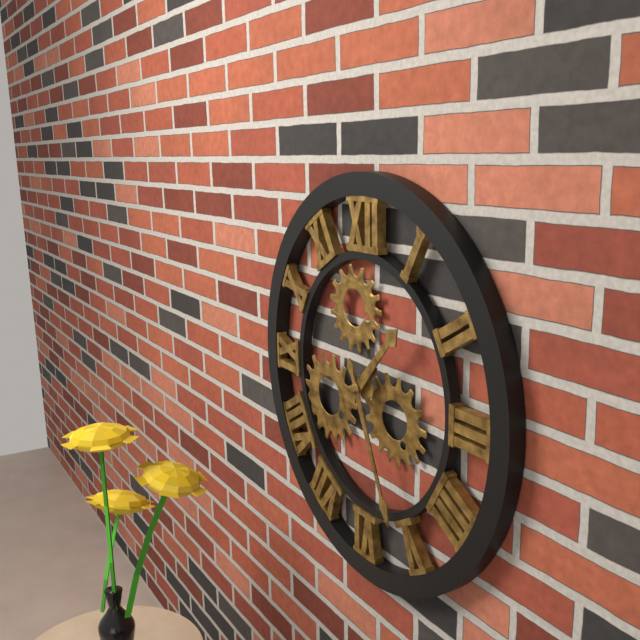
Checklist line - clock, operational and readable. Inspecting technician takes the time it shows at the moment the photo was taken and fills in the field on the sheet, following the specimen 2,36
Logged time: 1,26
